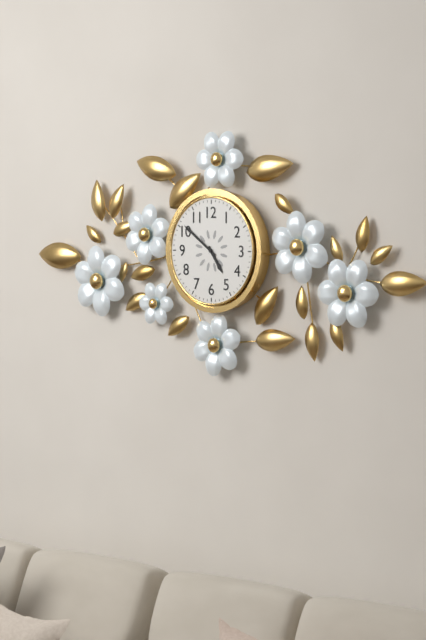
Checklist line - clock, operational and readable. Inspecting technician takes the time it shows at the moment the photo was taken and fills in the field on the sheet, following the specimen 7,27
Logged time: 4,51
